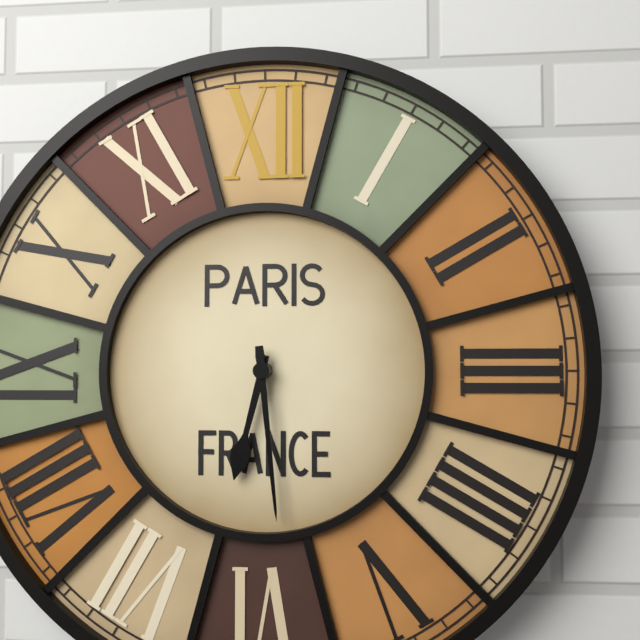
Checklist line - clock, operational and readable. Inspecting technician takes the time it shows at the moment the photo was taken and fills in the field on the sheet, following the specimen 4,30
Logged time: 6,29
